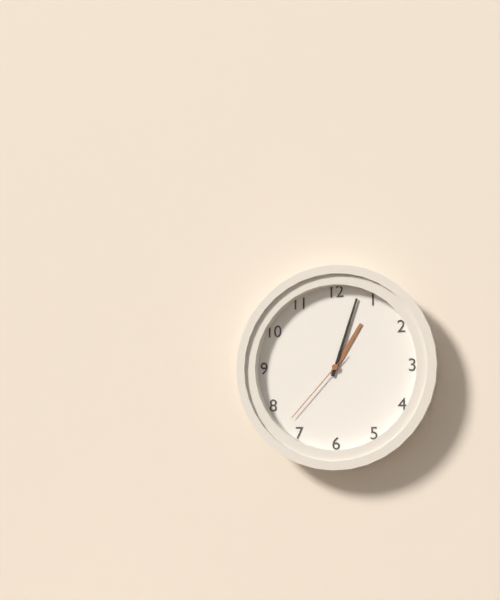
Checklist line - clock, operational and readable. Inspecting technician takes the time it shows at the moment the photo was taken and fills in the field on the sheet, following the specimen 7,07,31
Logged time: 1,03,37
